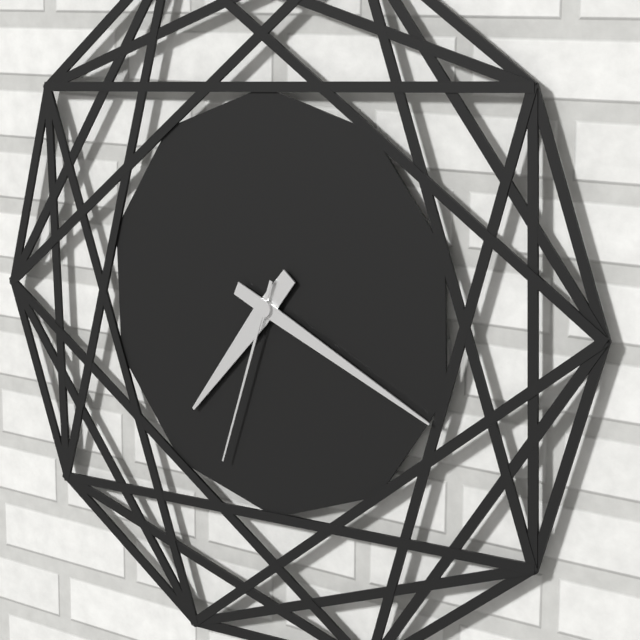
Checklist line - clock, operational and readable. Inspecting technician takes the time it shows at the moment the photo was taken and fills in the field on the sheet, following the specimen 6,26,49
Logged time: 7,19,33
